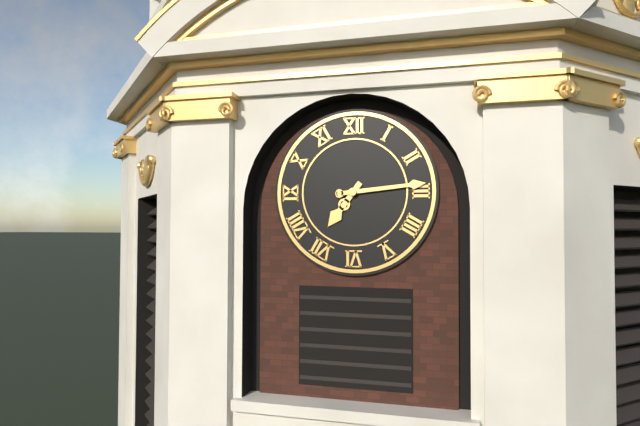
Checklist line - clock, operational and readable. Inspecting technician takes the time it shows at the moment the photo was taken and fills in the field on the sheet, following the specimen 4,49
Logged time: 7,14
